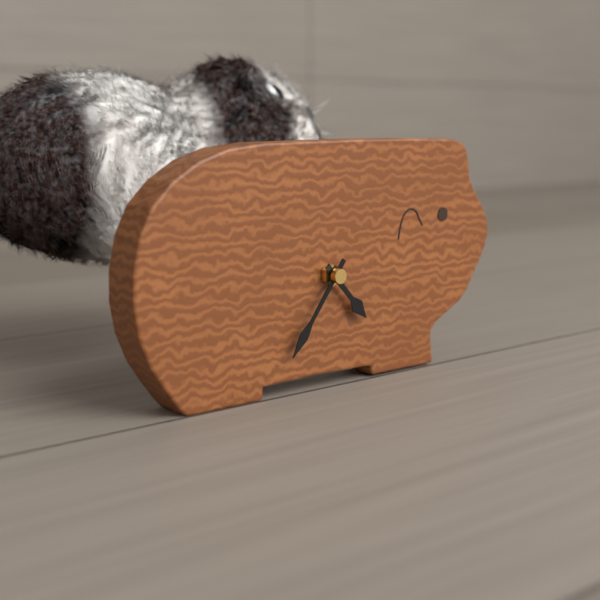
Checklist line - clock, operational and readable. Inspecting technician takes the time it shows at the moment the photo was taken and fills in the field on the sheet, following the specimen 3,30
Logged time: 4,36
